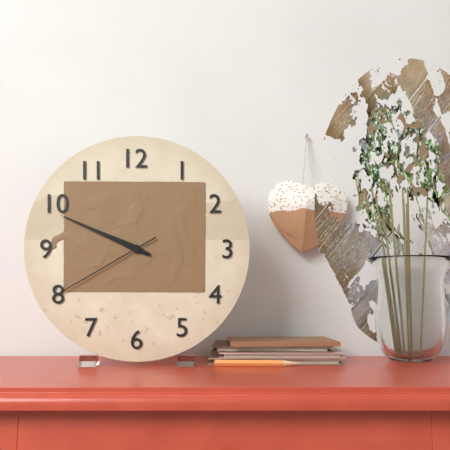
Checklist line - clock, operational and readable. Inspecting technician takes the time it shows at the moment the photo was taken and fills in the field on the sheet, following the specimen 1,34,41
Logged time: 9,49,40
